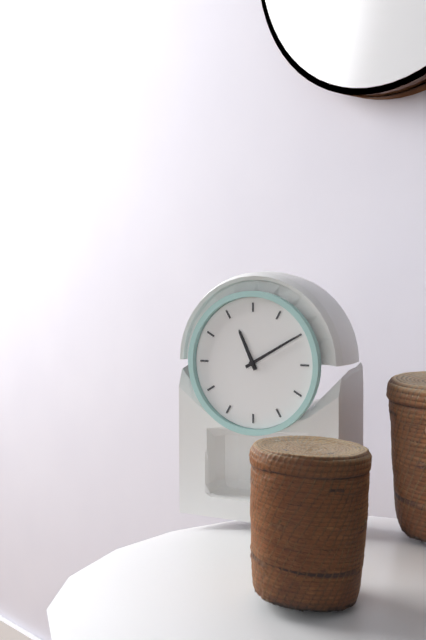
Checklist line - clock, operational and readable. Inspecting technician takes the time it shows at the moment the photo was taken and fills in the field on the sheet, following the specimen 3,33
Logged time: 11,10
